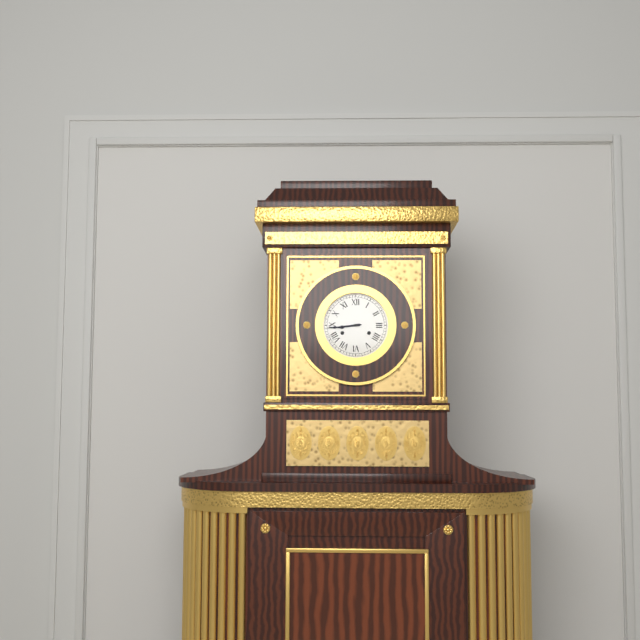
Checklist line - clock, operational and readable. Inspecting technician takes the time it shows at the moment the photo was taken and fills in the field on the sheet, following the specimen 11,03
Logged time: 8,44
